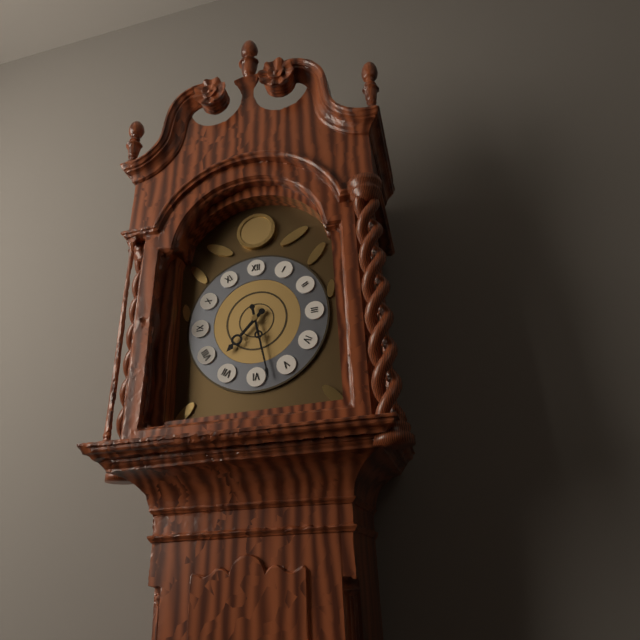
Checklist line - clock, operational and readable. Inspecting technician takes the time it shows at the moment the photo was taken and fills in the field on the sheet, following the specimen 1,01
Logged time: 7,28
